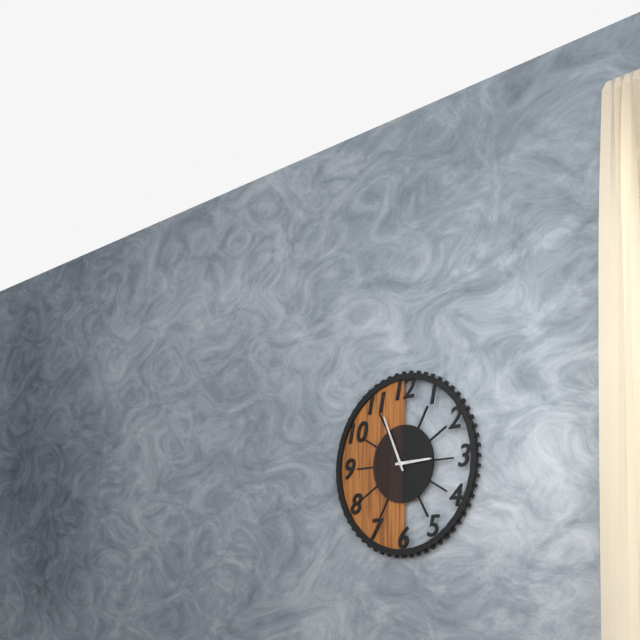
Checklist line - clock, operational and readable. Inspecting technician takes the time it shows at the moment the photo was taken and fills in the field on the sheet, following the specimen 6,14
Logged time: 2,56
